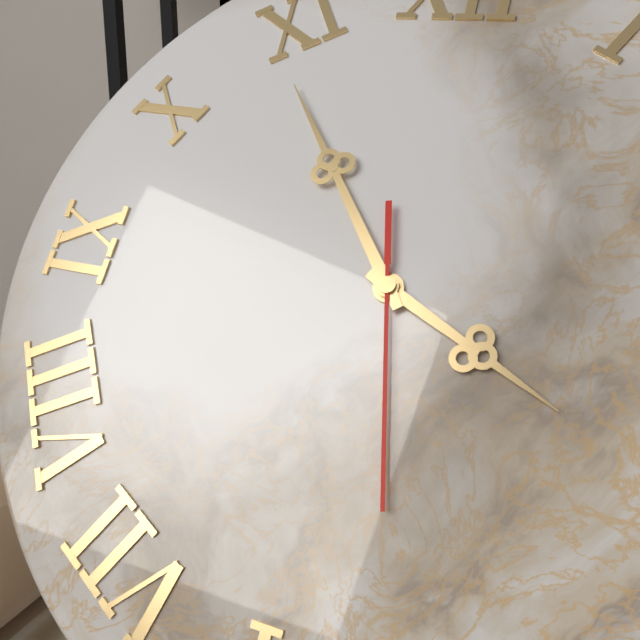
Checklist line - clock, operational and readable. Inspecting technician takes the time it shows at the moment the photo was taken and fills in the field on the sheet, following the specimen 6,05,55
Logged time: 3,54,28
